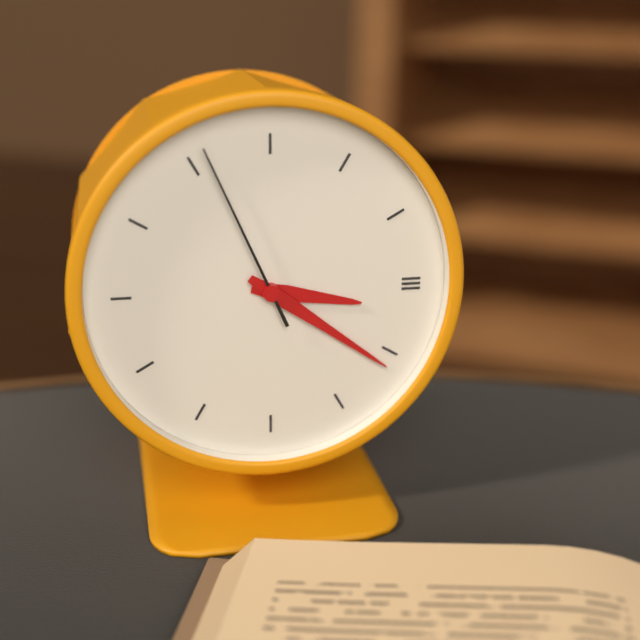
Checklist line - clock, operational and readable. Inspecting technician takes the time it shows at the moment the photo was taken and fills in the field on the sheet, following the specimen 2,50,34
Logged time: 3,21,56
